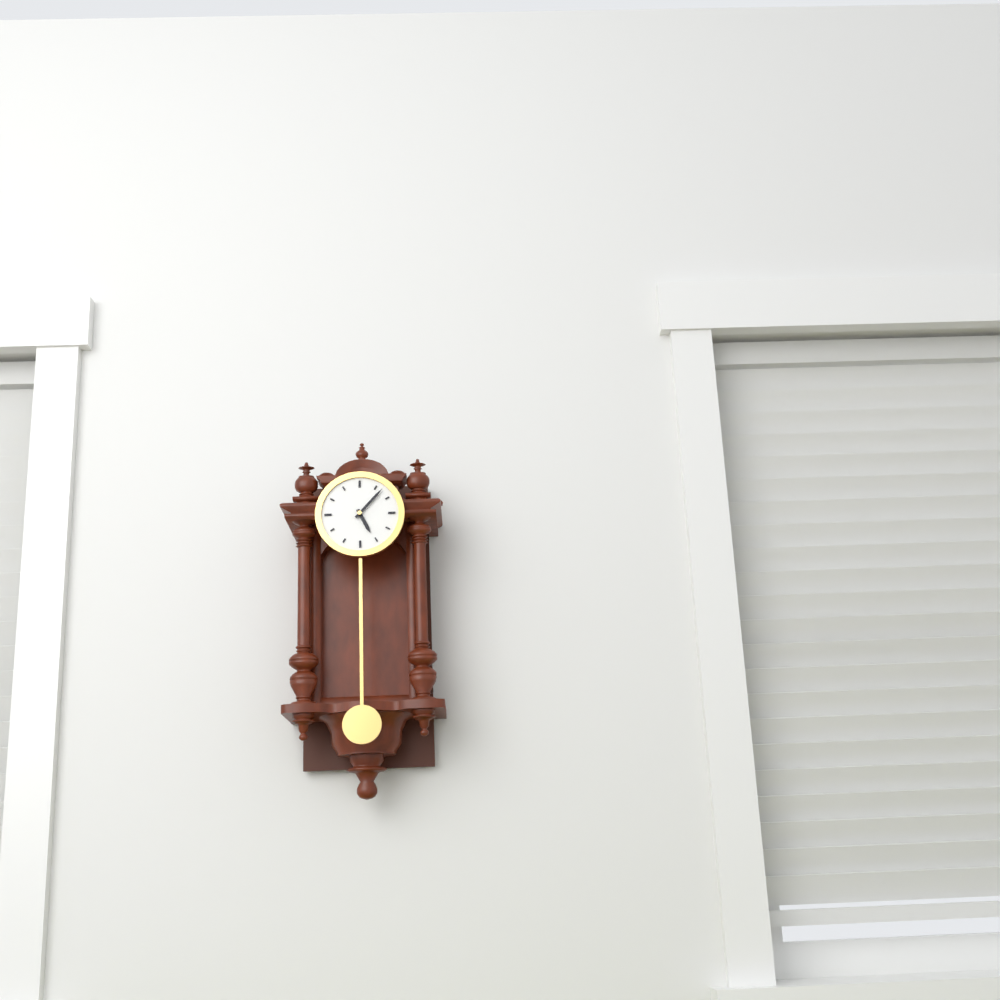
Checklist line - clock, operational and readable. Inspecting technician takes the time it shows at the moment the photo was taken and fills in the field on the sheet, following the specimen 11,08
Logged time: 5,07
